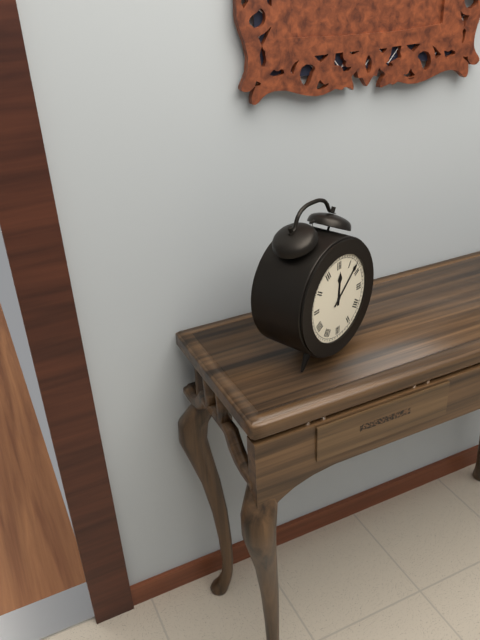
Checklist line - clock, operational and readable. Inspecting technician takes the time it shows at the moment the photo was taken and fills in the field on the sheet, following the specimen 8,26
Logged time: 12,08
